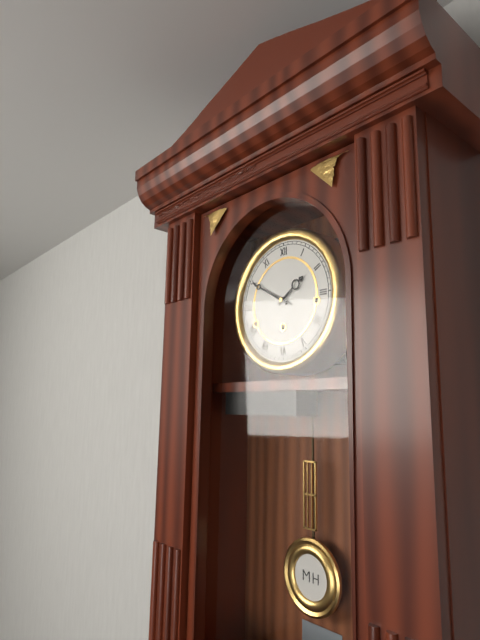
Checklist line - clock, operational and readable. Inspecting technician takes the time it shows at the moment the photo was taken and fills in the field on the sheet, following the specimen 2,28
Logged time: 1,50
